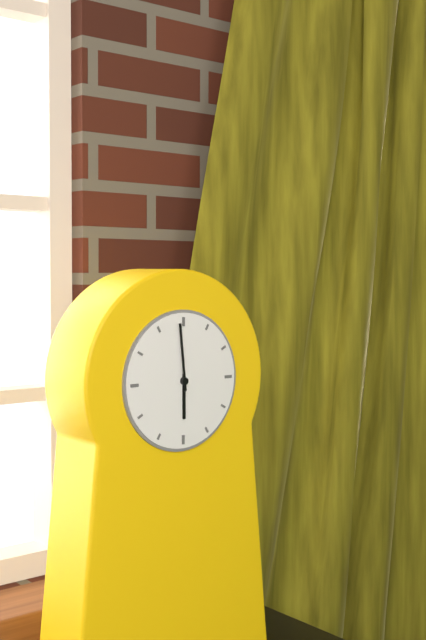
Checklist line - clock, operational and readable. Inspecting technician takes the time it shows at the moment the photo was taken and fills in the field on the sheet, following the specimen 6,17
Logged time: 5,59
